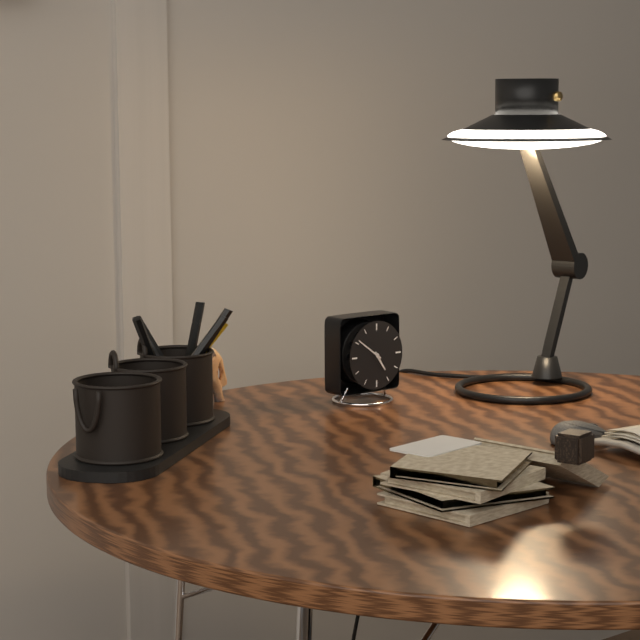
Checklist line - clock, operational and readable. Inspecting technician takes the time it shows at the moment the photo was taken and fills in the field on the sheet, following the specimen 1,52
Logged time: 4,51
